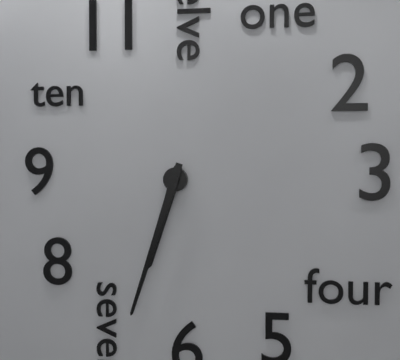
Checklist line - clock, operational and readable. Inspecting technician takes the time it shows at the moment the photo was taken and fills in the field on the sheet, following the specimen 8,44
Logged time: 6,33
